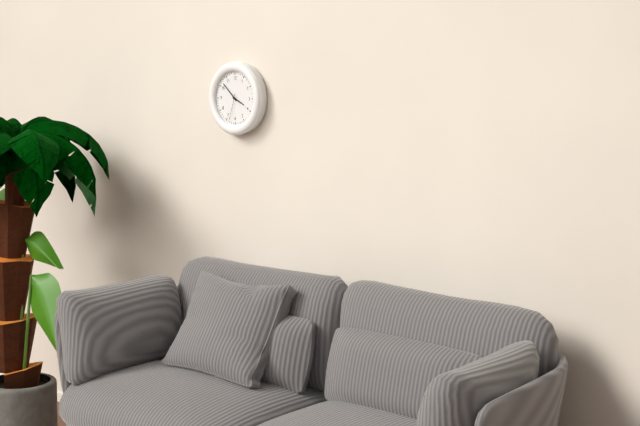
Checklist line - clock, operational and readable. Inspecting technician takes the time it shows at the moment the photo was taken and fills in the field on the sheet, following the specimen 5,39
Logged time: 3,52
